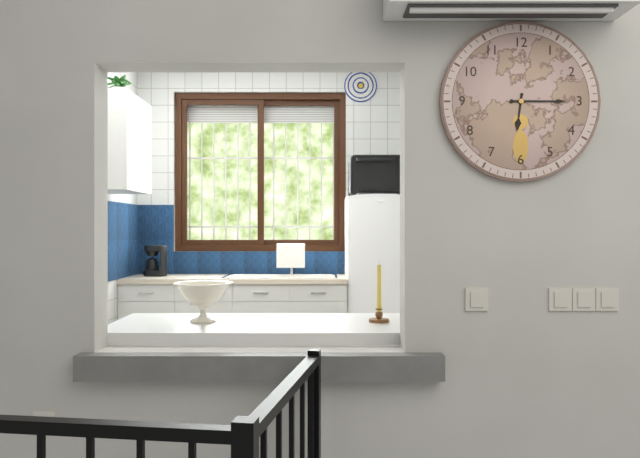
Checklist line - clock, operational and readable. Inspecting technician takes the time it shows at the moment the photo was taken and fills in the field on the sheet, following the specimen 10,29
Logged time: 6,15
